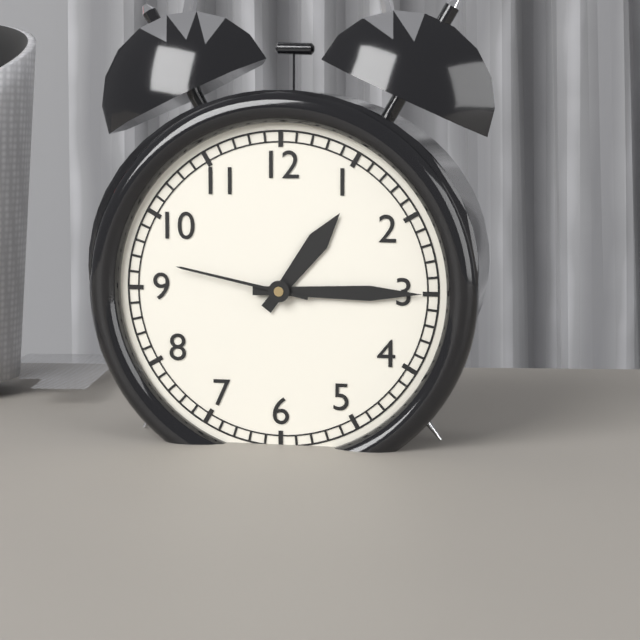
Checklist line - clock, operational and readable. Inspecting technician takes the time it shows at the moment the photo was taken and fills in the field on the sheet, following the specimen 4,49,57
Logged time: 1,15,47
